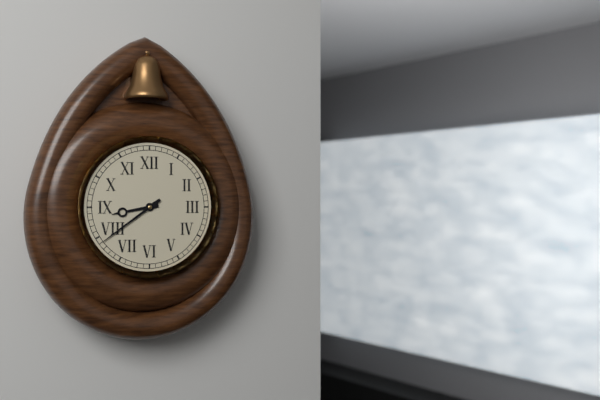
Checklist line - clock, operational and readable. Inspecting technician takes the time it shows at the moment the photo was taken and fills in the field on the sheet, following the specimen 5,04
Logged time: 8,39
